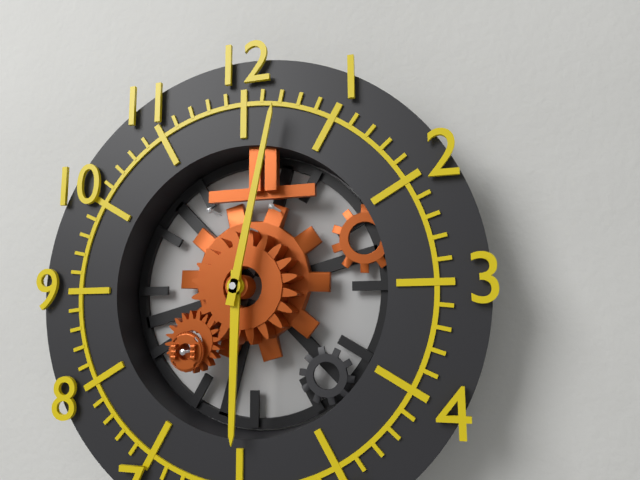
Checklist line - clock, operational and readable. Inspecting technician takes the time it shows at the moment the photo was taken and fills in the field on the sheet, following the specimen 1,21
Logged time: 6,02
